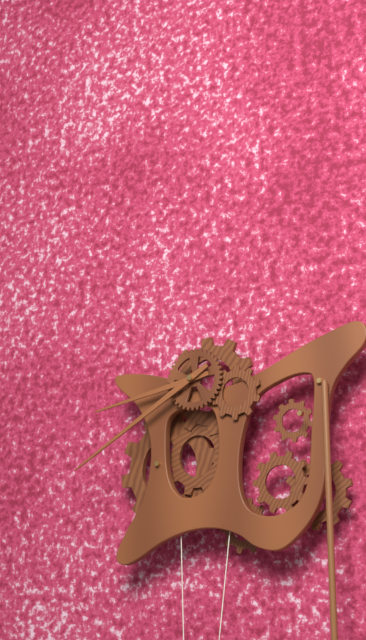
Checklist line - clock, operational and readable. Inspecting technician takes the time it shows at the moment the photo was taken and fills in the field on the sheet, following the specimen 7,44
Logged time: 8,40
